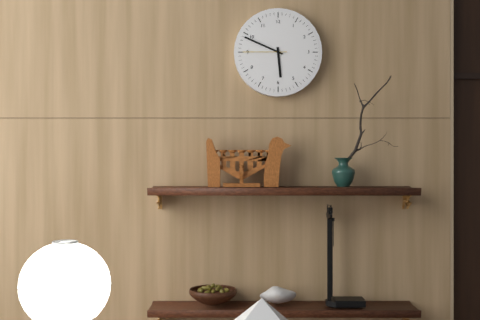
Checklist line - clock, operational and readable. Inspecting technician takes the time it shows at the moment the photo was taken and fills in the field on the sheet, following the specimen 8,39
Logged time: 5,49
